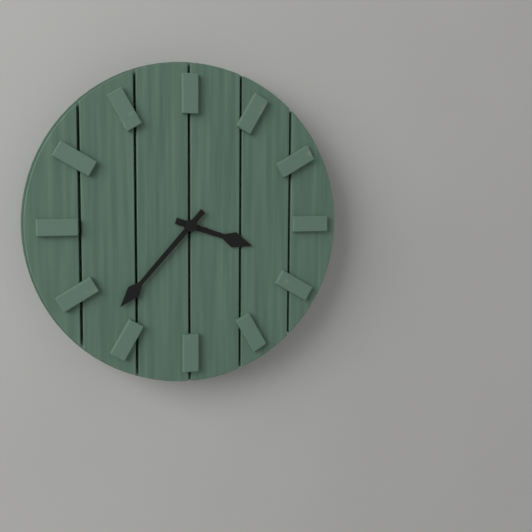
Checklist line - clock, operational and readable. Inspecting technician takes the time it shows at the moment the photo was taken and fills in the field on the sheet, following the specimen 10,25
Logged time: 3,37
